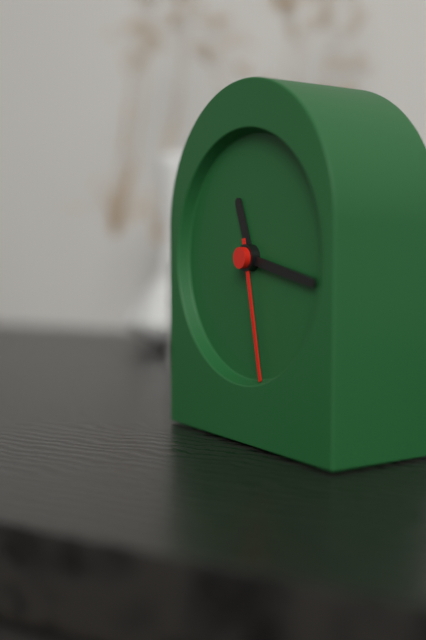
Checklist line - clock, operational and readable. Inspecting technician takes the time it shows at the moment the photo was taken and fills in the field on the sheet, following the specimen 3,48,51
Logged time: 11,17,28
